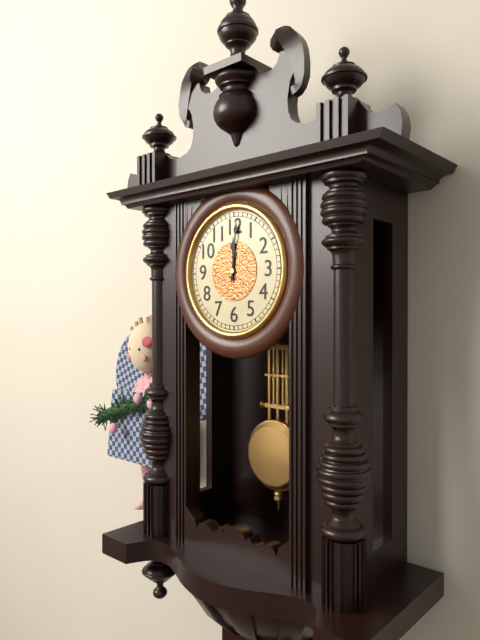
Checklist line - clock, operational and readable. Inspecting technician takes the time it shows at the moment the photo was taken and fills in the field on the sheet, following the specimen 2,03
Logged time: 12,01
